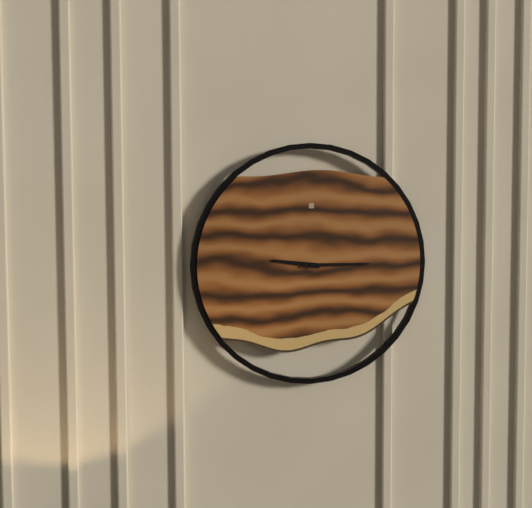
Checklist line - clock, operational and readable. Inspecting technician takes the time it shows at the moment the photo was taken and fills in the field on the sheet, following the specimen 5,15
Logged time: 9,15
